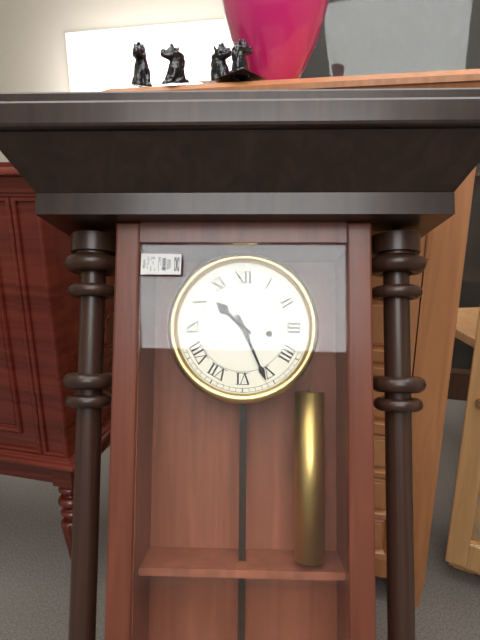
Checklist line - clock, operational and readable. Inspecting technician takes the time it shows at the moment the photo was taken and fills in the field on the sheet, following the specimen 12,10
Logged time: 10,26
